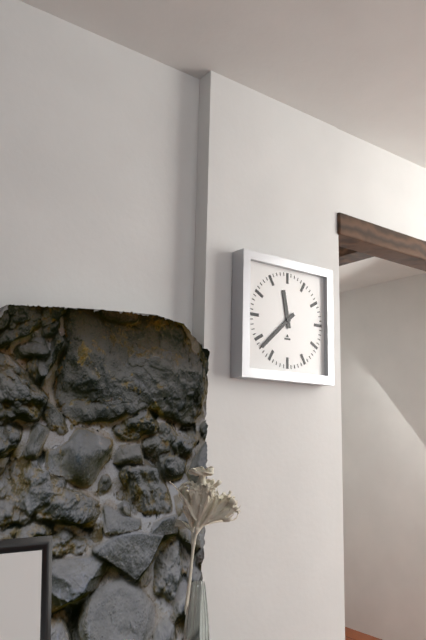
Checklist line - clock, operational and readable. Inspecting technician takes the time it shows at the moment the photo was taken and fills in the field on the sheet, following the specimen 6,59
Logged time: 11,38
